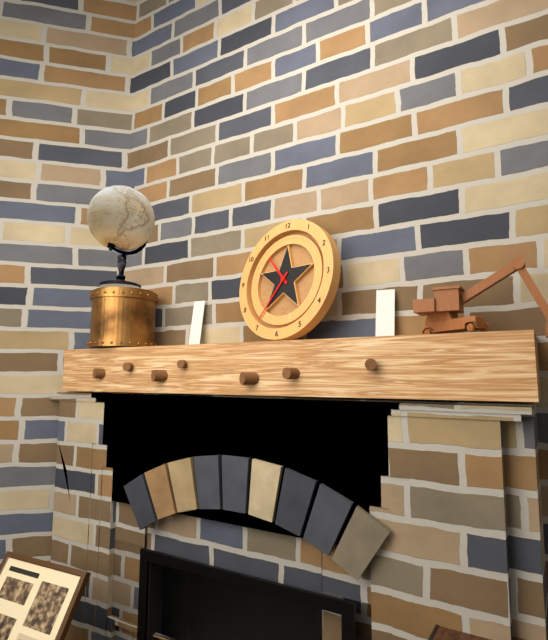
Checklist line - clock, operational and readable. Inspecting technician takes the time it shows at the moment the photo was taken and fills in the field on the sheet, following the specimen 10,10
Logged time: 10,36
